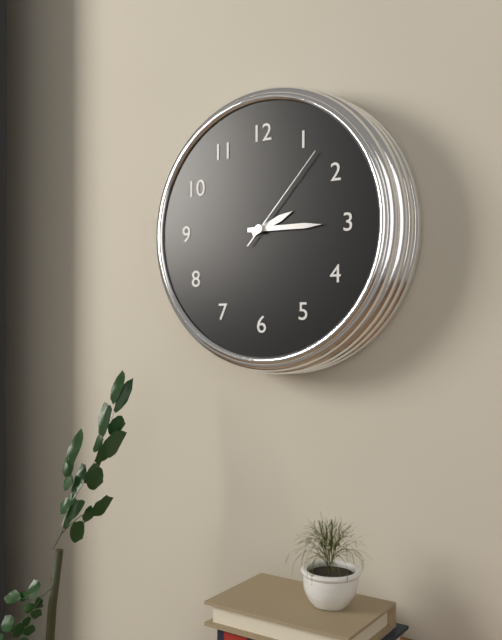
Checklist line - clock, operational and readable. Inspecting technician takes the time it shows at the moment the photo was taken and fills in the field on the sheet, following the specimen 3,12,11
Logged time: 2,15,07
